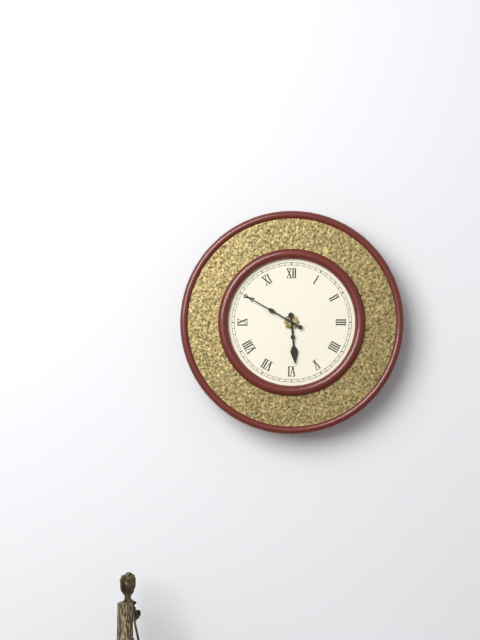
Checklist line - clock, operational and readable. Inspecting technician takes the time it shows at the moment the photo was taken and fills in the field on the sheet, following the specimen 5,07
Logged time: 5,50
